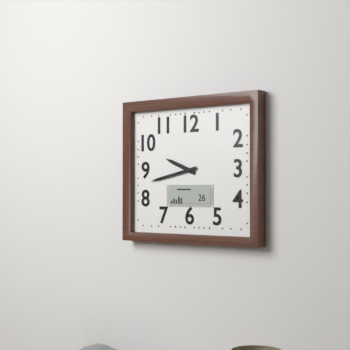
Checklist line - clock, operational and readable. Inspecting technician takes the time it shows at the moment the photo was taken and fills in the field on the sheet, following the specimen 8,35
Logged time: 9,43
